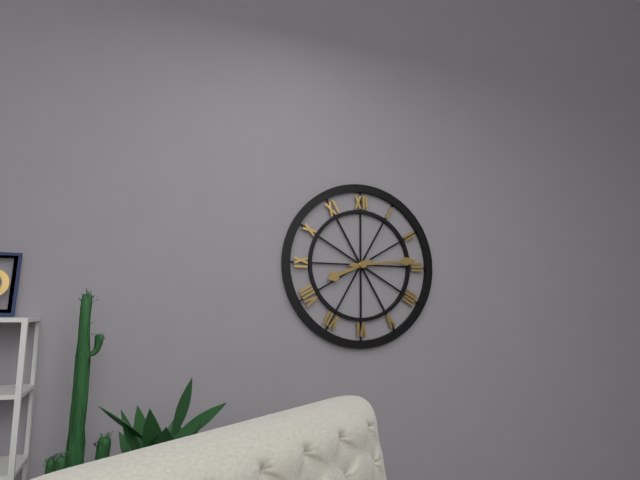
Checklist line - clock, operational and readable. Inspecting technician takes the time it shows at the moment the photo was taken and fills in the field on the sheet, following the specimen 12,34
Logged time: 8,14
